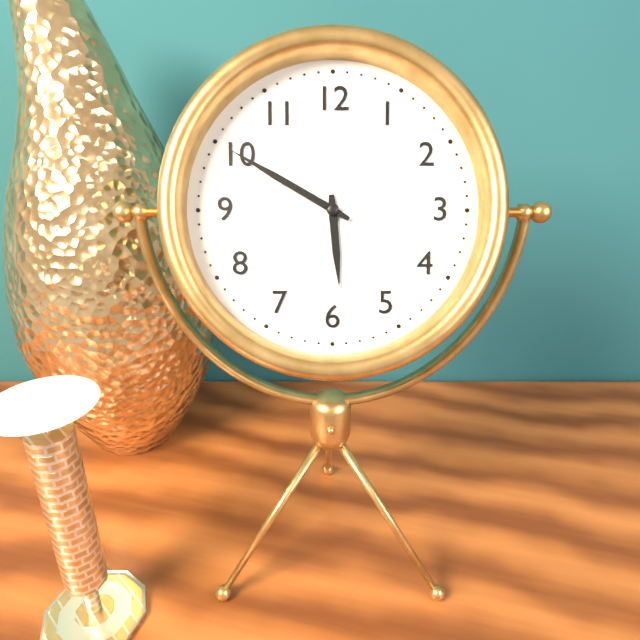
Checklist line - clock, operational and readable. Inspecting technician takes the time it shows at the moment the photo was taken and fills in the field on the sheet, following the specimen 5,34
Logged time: 5,50
